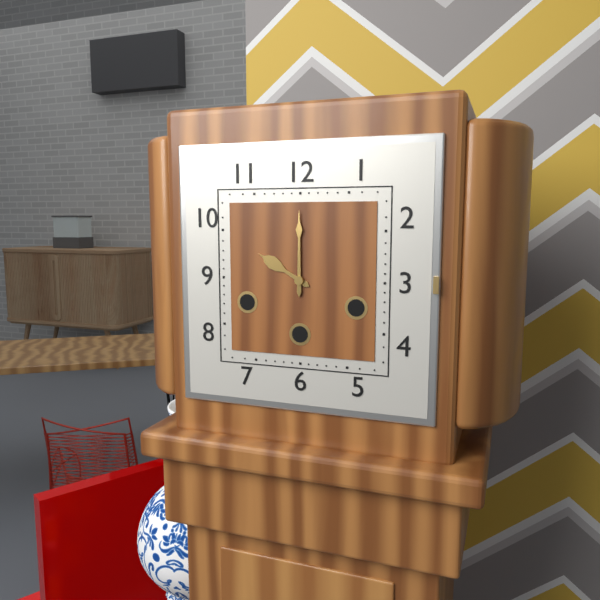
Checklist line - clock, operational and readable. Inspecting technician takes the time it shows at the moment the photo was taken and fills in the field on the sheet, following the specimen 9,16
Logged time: 10,00
